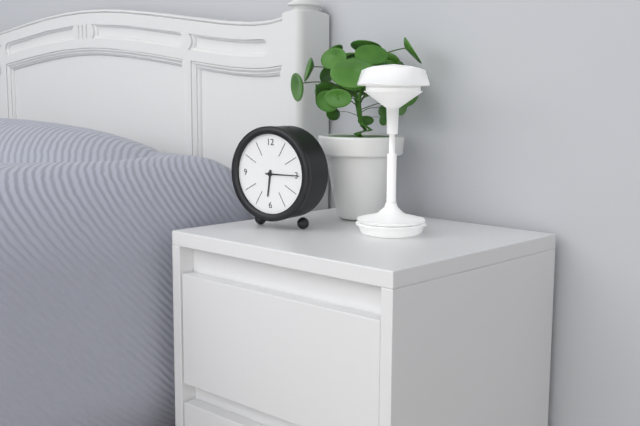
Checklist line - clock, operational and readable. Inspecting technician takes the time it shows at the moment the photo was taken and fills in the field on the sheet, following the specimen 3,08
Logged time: 6,15
